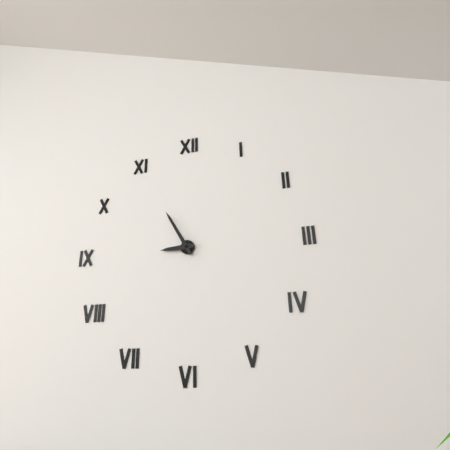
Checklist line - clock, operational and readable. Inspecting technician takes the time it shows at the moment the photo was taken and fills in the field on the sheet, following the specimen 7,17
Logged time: 8,55
